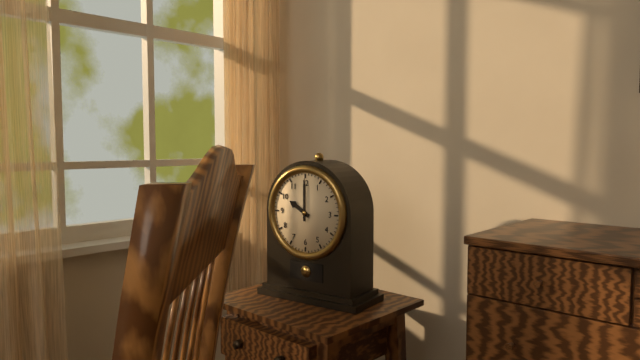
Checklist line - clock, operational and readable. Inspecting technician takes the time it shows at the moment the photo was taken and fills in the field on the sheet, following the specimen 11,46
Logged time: 10,00
